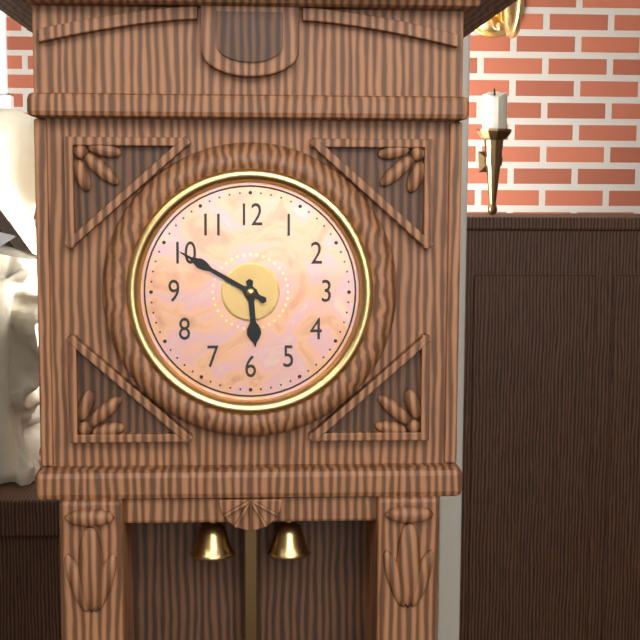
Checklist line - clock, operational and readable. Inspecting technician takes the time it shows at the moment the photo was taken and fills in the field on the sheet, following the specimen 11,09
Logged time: 5,50
